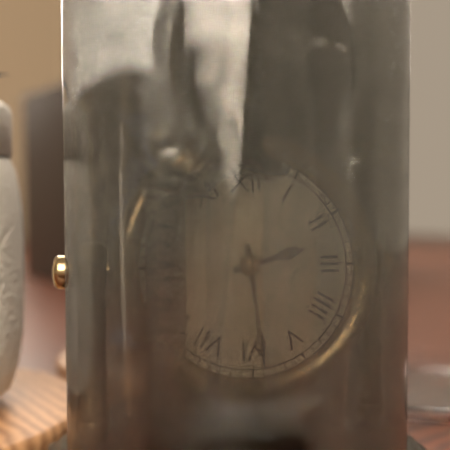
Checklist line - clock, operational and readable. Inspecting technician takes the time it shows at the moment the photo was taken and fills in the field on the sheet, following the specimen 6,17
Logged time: 2,29
